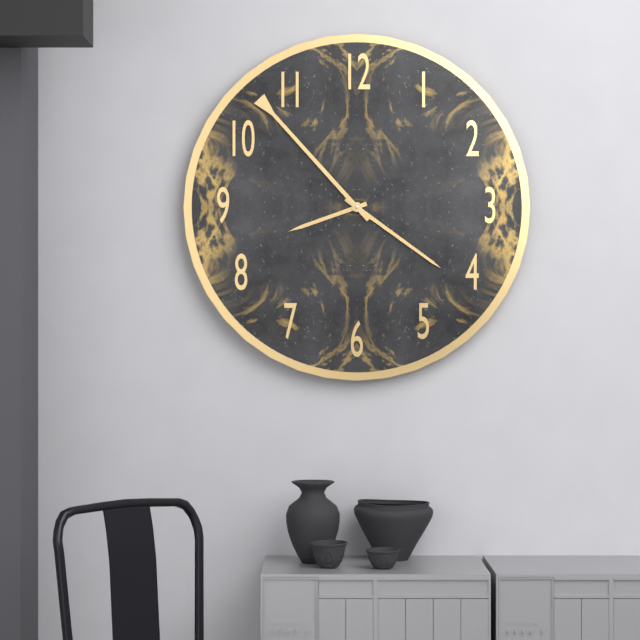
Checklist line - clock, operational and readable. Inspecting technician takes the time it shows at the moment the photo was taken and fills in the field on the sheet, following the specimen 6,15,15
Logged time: 8,21,53
